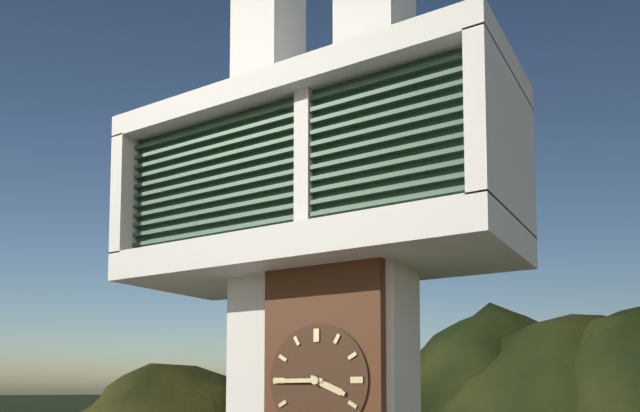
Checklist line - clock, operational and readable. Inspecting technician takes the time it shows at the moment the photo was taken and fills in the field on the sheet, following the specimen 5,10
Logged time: 3,45
